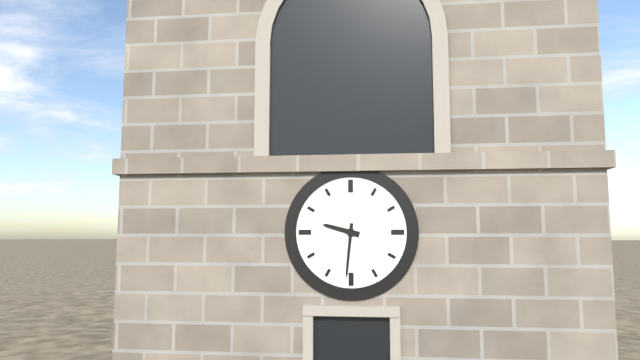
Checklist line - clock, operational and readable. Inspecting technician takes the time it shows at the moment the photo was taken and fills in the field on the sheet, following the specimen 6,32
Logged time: 9,31
